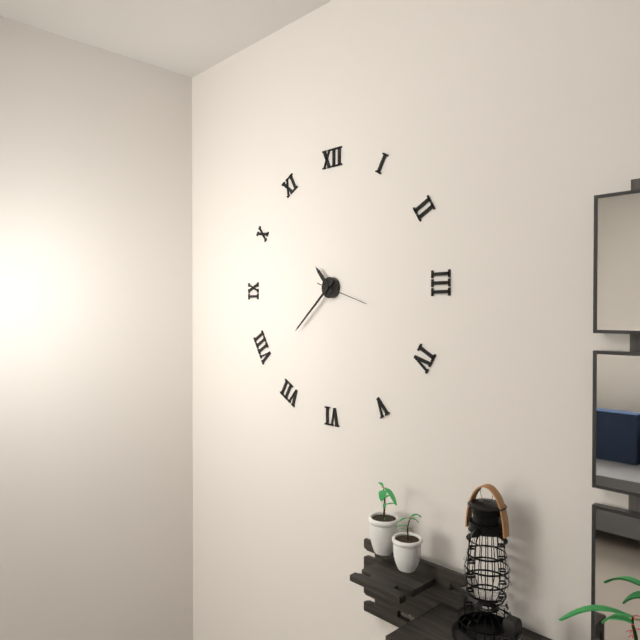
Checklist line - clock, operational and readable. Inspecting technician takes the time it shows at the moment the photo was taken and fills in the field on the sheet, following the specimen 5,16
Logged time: 10,38
